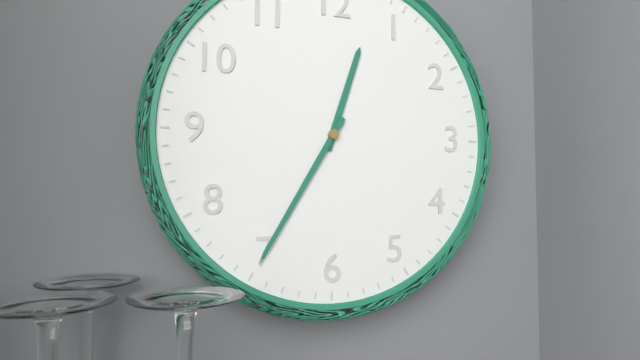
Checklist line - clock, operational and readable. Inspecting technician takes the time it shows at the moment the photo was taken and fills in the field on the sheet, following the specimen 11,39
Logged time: 12,35
